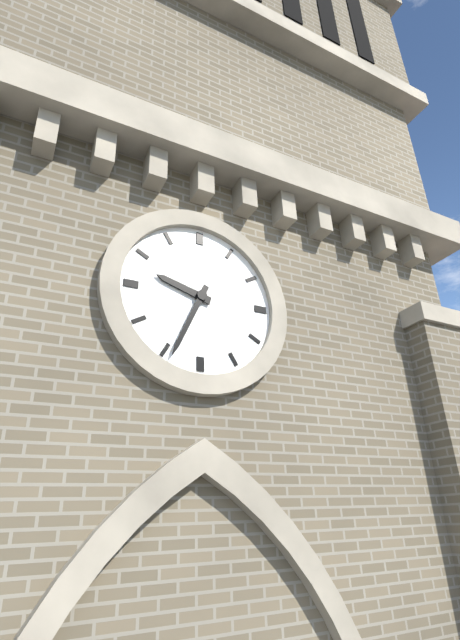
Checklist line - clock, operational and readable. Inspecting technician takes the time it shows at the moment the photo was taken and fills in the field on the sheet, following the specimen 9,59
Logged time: 9,34
